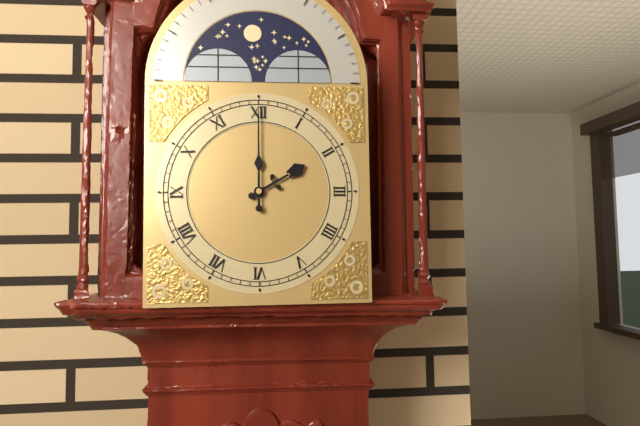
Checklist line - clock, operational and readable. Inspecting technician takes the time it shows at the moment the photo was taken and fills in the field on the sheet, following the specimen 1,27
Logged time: 2,00
